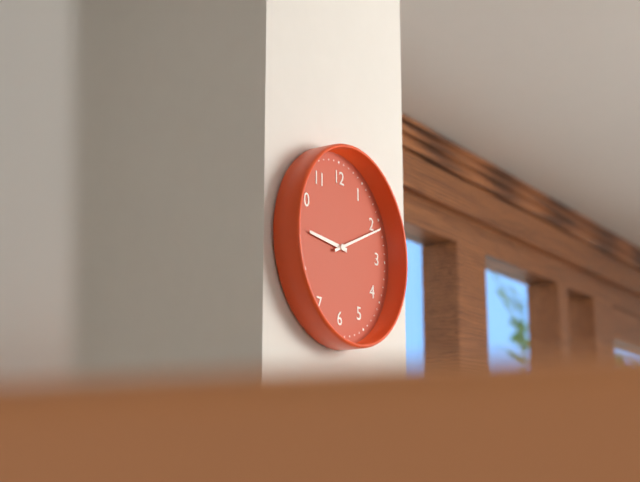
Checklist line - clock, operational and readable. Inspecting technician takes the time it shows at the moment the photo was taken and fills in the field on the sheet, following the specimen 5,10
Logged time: 9,11
